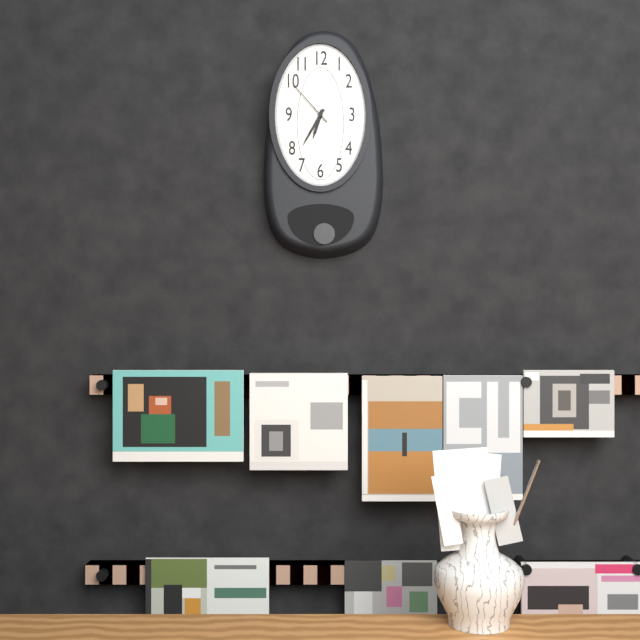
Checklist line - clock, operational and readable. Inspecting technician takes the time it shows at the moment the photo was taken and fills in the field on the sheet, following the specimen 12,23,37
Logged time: 6,35,53
